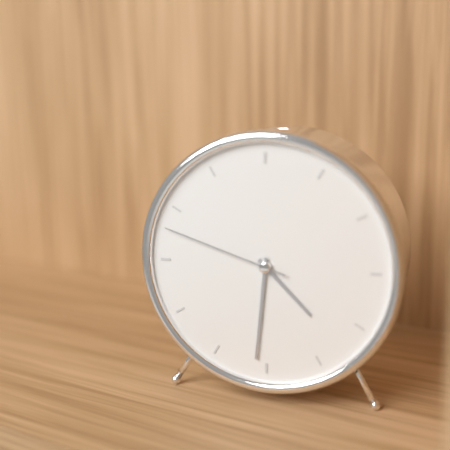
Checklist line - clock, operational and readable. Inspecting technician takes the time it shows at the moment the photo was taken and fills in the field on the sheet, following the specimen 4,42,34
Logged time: 4,31,48
